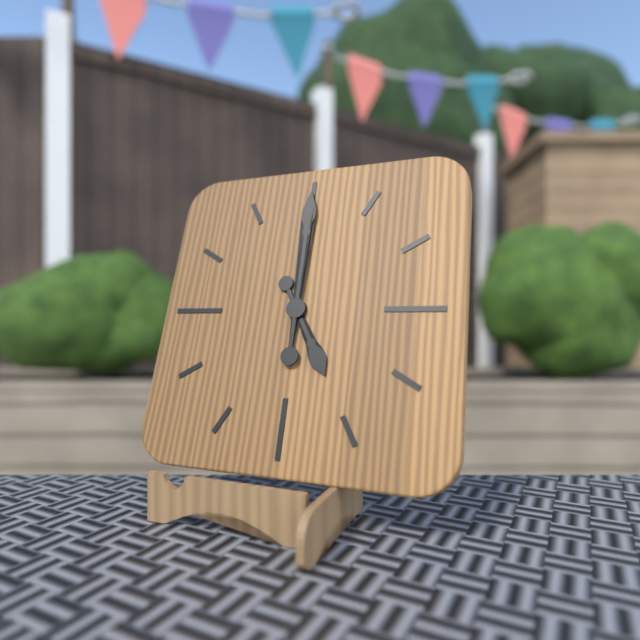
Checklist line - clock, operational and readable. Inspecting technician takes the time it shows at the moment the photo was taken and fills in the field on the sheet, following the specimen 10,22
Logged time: 5,00
